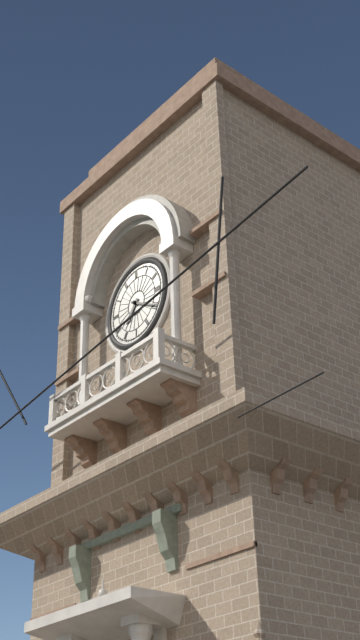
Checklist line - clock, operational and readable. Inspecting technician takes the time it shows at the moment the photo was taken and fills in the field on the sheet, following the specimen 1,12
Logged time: 7,20
